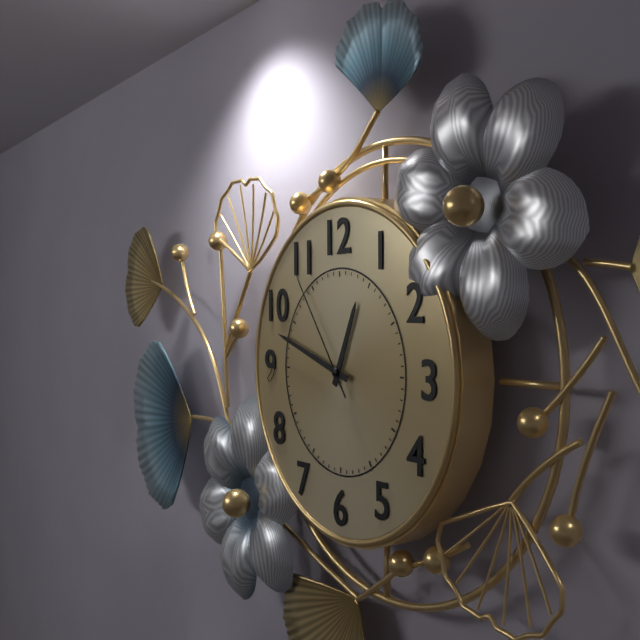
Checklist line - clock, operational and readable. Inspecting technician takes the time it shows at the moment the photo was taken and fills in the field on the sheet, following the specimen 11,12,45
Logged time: 12,48,54
